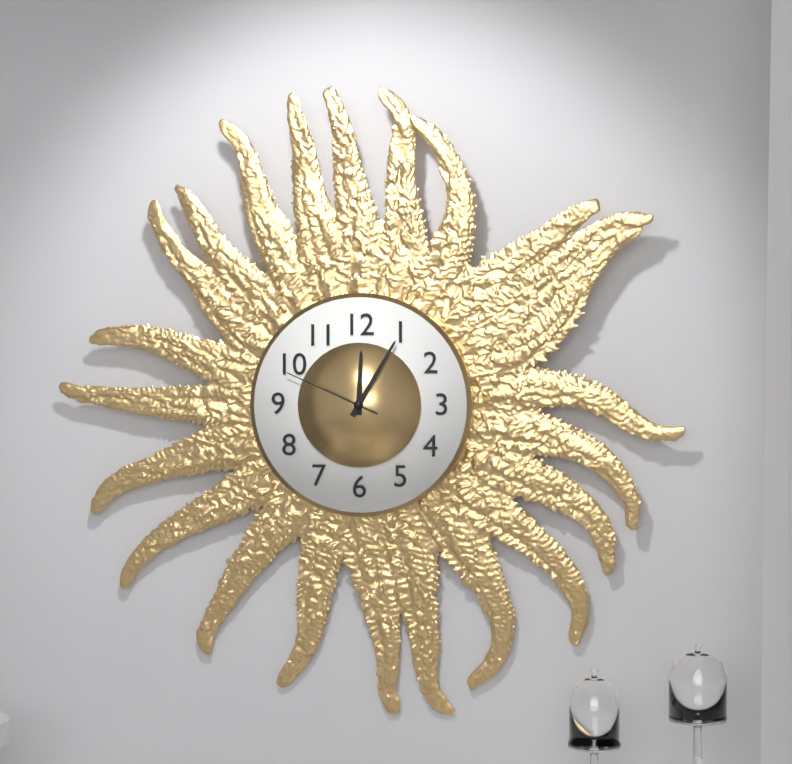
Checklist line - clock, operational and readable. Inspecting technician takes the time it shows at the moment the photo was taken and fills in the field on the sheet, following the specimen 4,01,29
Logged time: 12,05,49
